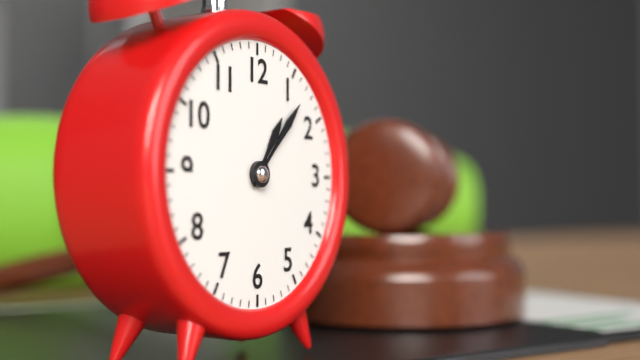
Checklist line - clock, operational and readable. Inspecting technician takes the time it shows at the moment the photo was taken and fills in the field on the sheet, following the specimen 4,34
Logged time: 1,07
